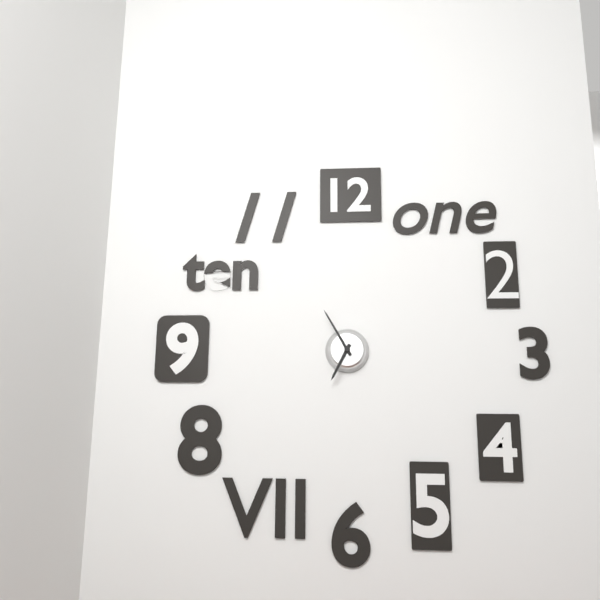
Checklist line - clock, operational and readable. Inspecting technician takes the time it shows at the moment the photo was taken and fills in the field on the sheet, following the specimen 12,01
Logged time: 6,55
